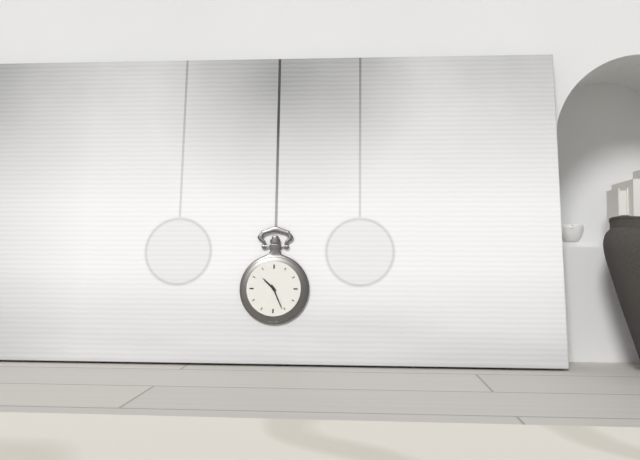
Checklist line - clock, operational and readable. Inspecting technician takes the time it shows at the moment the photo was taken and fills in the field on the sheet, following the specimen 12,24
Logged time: 10,26
